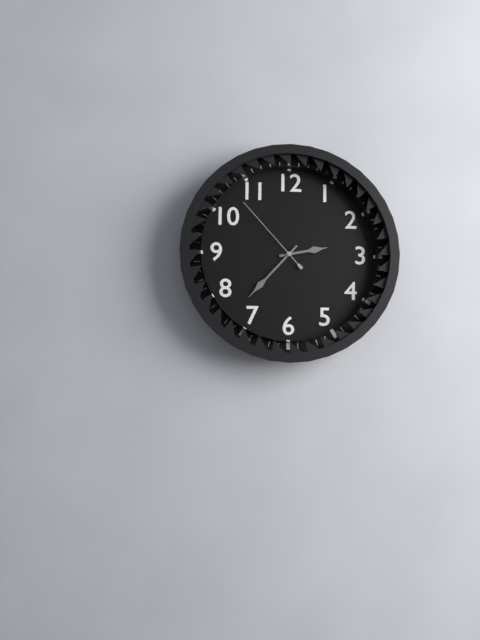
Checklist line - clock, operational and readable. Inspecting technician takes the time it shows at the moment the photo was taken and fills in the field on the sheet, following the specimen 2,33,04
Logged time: 2,37,53
